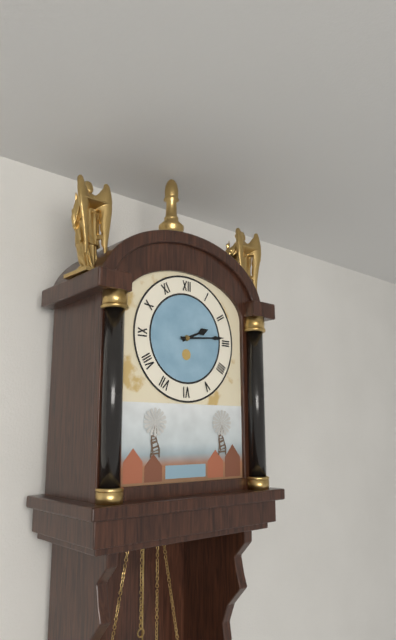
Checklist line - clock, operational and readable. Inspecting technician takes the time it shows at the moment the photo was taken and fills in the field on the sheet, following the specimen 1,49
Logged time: 2,14
